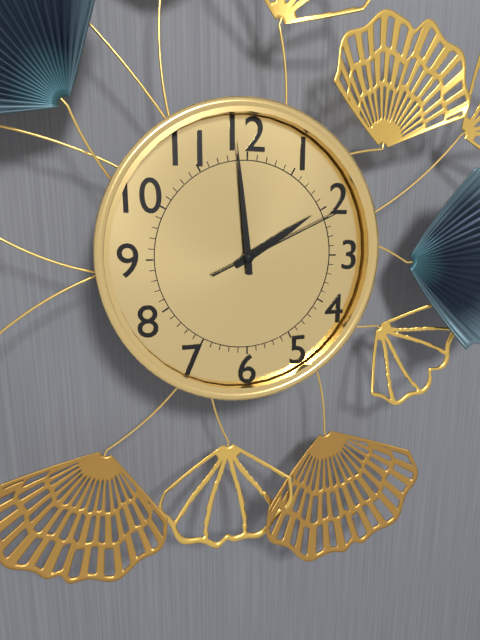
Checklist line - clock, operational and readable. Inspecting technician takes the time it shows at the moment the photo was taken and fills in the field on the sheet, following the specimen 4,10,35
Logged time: 1,59,11
